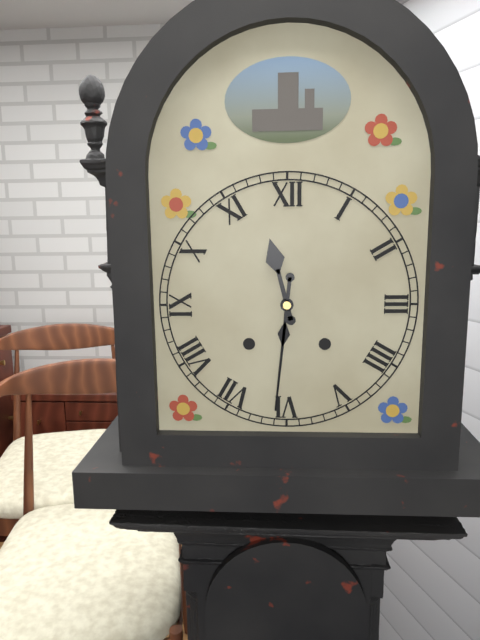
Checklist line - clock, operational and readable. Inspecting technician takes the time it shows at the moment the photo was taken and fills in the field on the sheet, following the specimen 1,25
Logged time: 11,31
